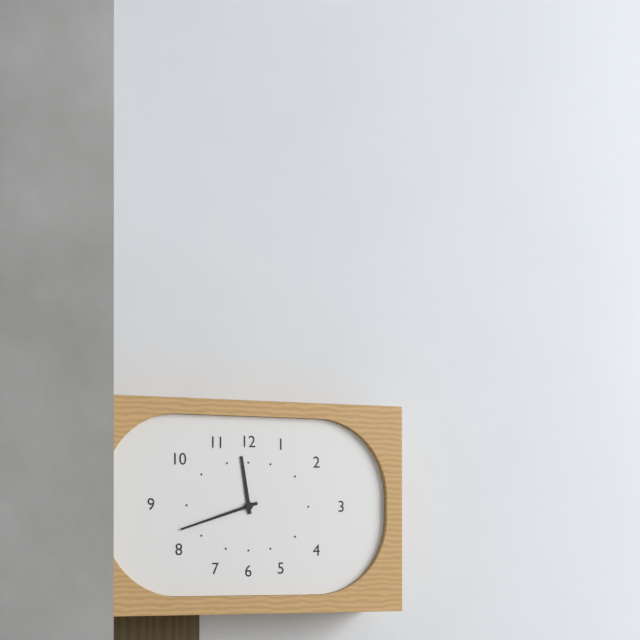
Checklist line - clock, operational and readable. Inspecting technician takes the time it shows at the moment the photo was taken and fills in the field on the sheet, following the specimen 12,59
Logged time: 11,42
